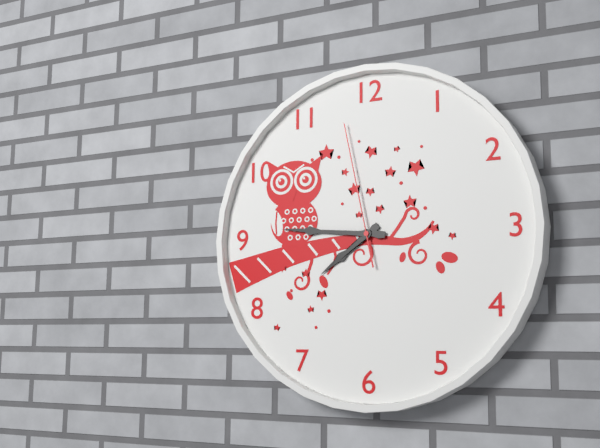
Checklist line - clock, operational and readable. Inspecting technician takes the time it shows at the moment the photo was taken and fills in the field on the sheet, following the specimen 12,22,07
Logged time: 7,46,58
